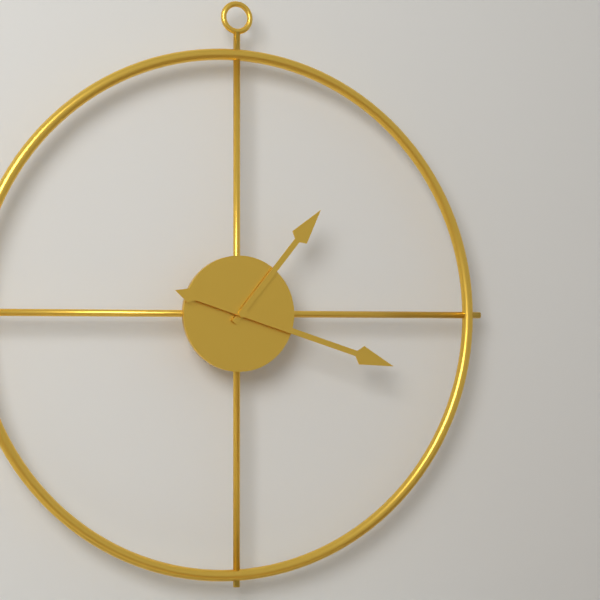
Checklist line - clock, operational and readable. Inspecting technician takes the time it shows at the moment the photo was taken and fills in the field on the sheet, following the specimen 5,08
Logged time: 1,18
